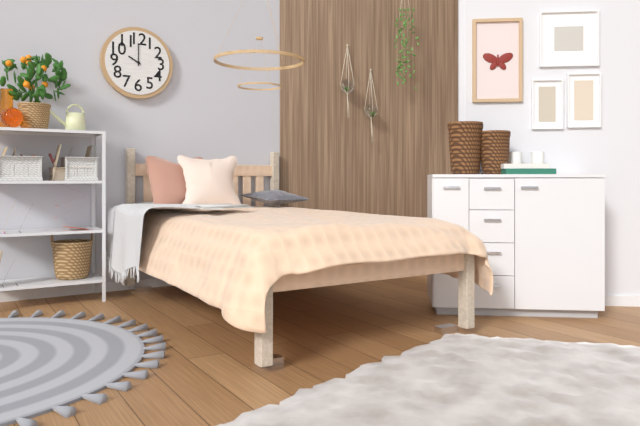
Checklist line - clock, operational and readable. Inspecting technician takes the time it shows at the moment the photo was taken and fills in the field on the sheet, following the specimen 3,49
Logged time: 10,00
